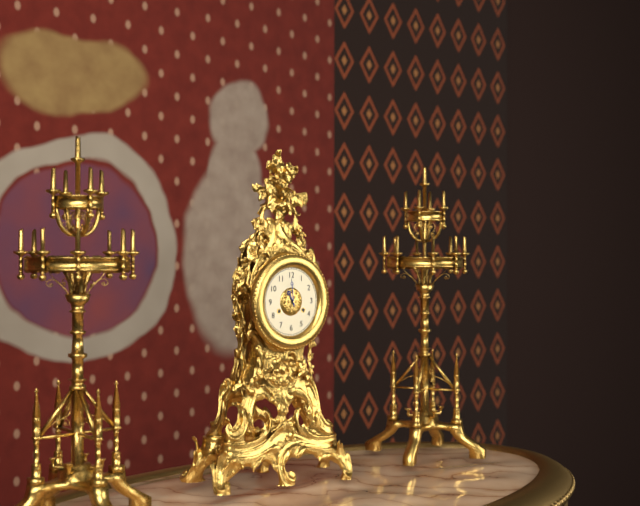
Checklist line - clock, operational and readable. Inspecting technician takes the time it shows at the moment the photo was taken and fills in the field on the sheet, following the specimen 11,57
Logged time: 10,59
